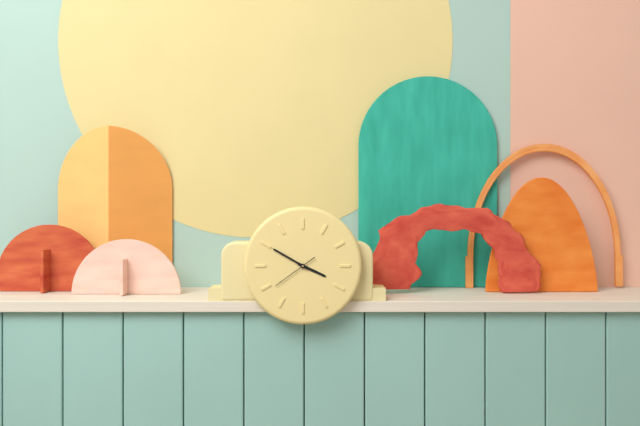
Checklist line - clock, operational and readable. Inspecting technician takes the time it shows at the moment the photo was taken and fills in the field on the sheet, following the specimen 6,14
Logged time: 3,50
